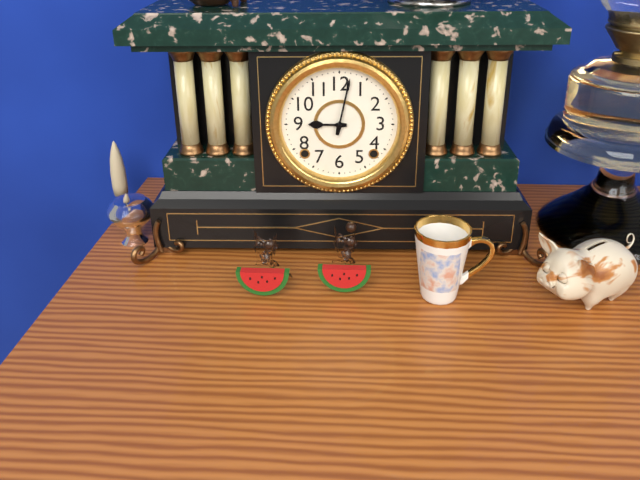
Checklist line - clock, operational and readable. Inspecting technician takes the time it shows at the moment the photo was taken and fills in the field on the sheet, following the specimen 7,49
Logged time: 9,02
